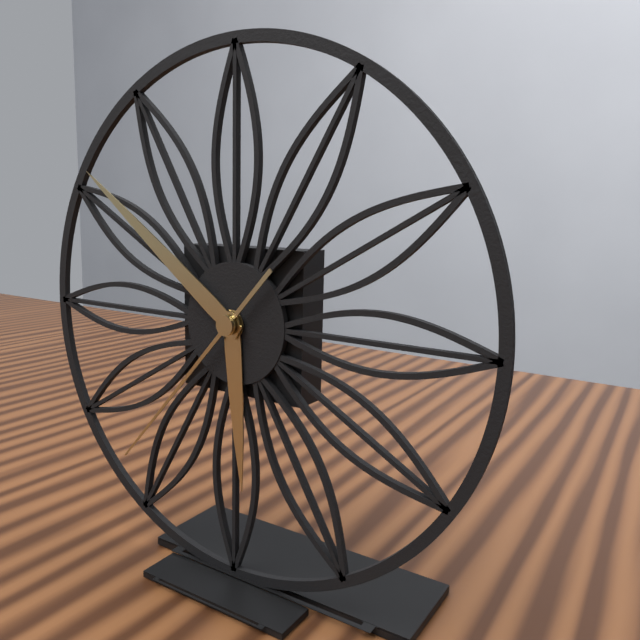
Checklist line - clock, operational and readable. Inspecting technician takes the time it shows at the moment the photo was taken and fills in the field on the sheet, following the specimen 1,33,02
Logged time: 5,51,37
